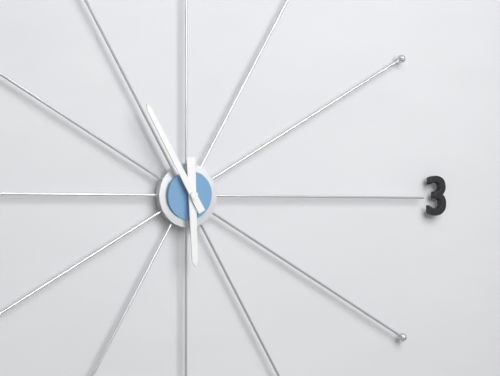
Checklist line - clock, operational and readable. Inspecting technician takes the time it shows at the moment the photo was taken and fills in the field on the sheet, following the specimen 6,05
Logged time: 5,55
